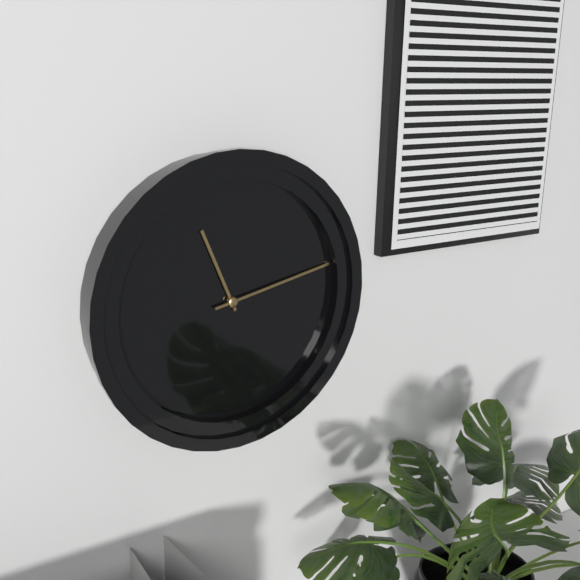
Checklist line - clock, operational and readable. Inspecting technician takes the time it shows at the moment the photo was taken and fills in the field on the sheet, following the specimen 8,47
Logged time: 11,13
